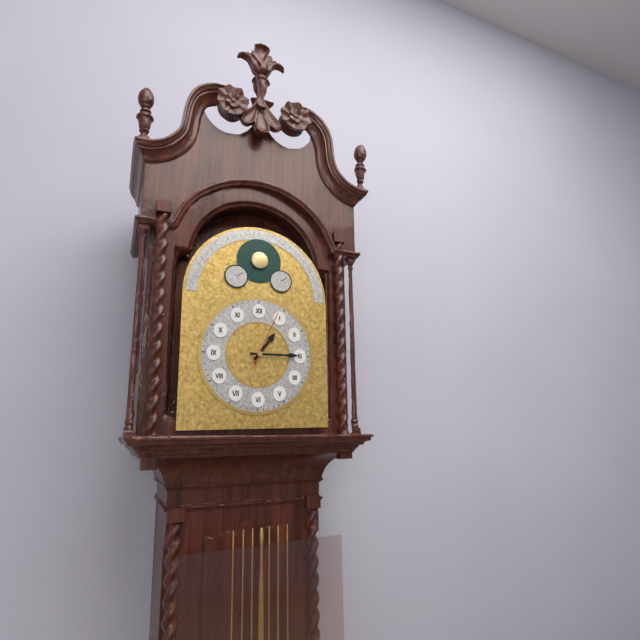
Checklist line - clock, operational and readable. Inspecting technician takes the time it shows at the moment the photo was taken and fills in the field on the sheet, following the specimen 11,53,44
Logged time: 1,15,04
